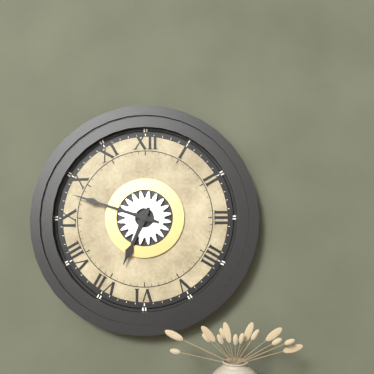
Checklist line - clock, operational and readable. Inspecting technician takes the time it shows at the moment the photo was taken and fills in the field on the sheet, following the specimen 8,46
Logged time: 6,48
